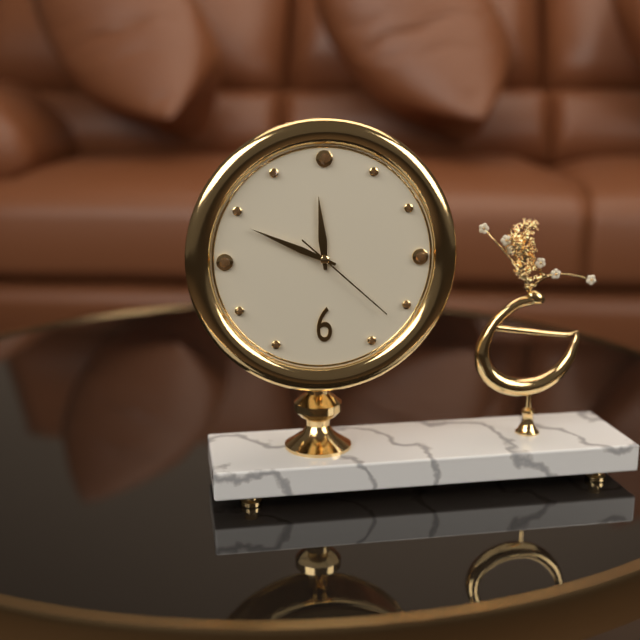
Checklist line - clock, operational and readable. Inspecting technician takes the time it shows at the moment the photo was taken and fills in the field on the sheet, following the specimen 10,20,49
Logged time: 11,49,22
